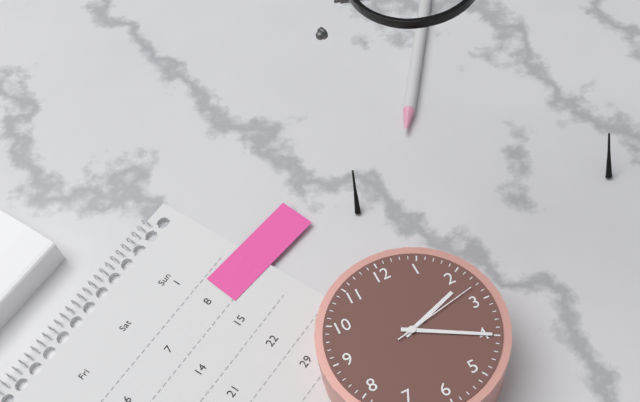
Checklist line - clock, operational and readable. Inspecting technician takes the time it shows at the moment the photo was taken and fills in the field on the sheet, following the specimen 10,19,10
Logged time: 2,20,13
